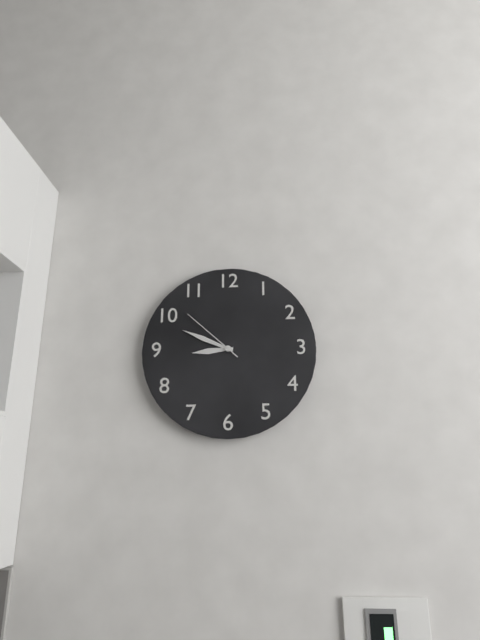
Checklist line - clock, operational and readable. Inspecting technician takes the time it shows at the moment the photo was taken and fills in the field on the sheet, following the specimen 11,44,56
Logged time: 8,49,52
